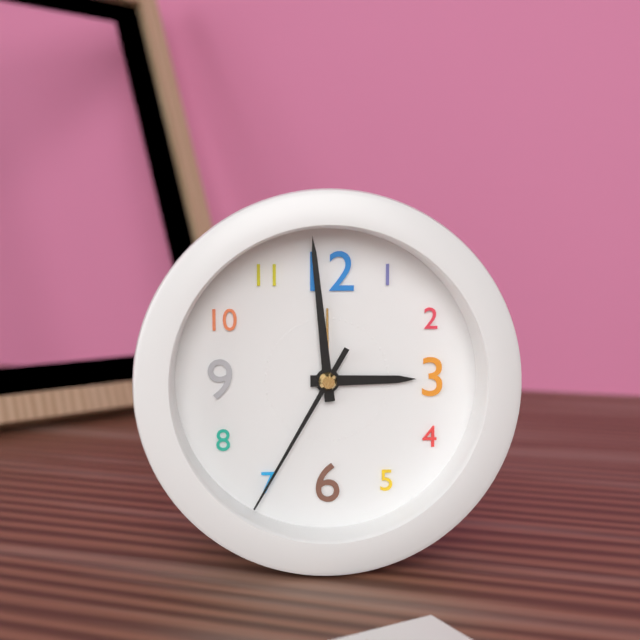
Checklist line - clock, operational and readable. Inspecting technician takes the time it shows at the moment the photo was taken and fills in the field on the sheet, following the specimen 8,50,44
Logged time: 2,59,35
